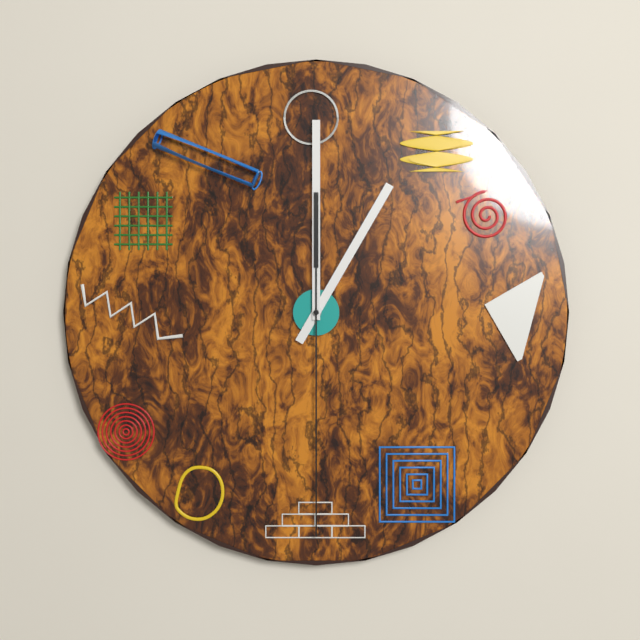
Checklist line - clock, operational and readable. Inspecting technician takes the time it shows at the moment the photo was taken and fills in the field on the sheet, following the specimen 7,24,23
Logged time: 1,00,30
